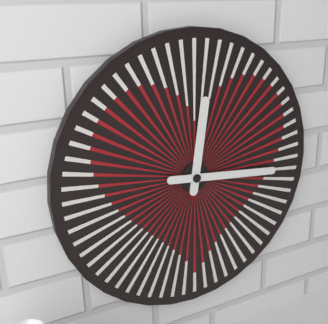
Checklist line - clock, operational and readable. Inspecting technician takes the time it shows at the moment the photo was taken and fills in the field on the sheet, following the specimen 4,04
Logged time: 12,16
